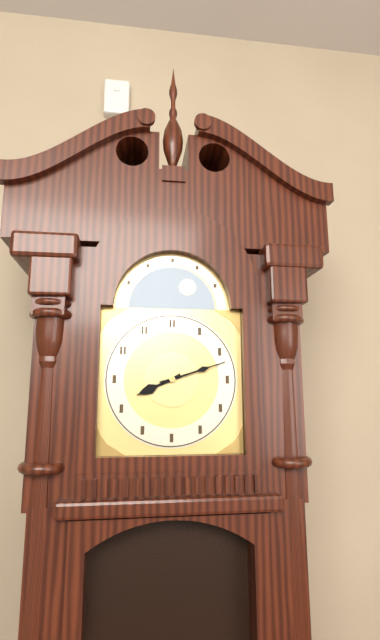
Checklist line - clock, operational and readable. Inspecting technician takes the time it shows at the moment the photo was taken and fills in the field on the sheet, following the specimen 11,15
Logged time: 8,12
